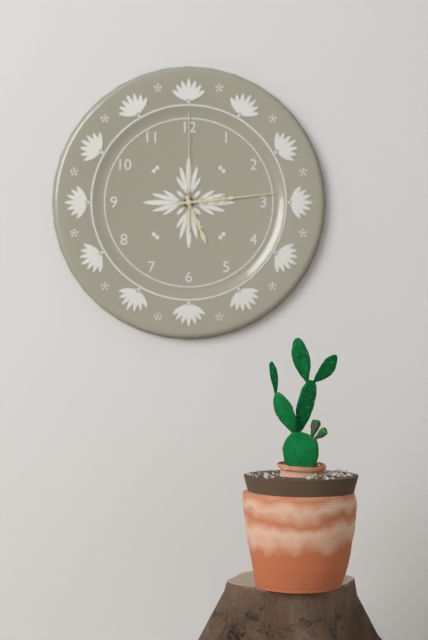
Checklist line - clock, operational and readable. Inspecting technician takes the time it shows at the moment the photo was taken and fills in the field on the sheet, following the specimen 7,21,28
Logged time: 5,14,00
